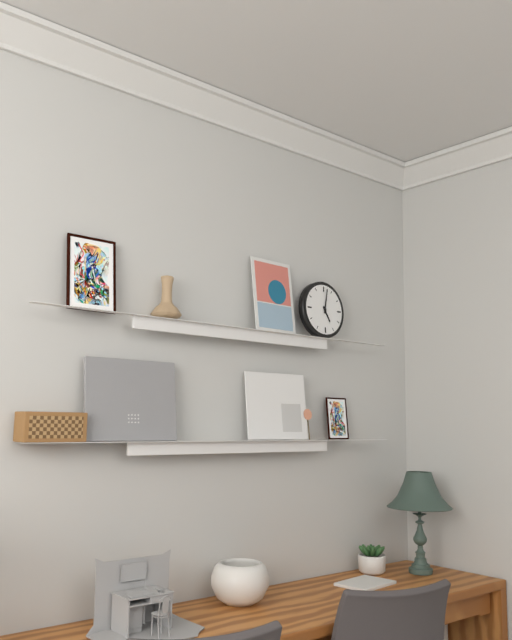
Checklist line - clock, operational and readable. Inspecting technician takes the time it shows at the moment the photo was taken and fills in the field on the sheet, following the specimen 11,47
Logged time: 5,02
